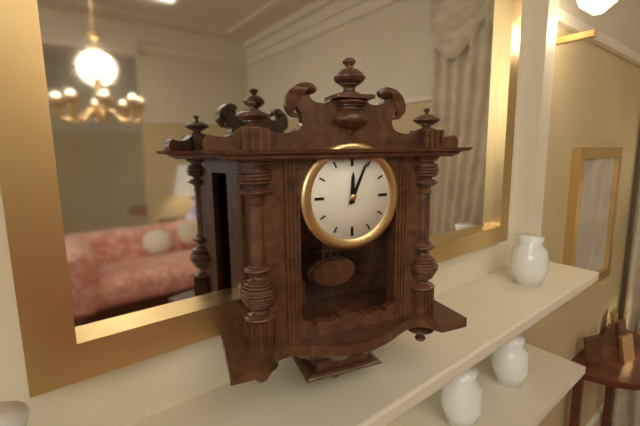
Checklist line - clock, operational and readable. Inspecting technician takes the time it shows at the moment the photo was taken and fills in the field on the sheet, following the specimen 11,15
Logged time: 12,04
